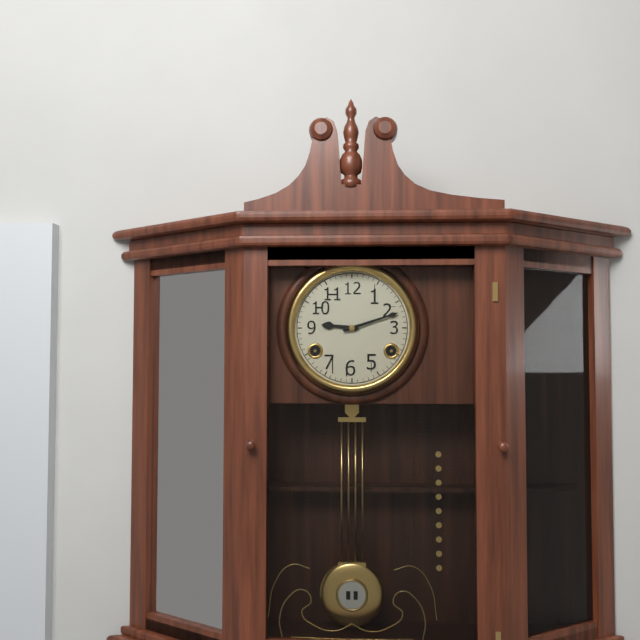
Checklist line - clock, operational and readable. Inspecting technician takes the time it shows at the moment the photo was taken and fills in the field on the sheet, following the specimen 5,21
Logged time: 9,12
